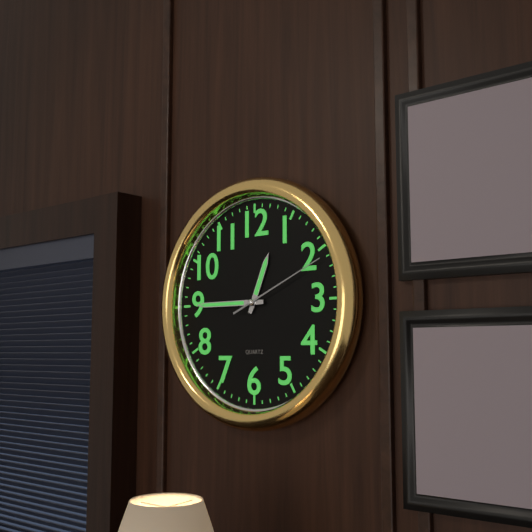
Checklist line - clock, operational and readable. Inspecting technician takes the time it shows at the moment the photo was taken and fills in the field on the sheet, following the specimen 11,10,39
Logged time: 12,45,11
